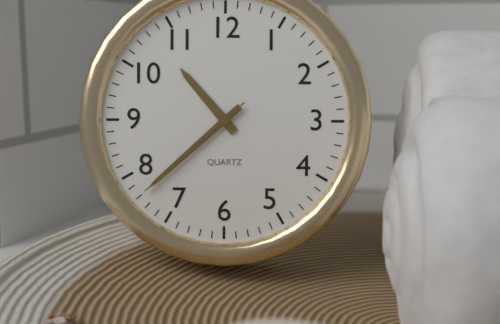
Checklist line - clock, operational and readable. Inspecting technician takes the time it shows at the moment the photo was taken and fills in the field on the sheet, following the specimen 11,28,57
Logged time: 10,38,38
